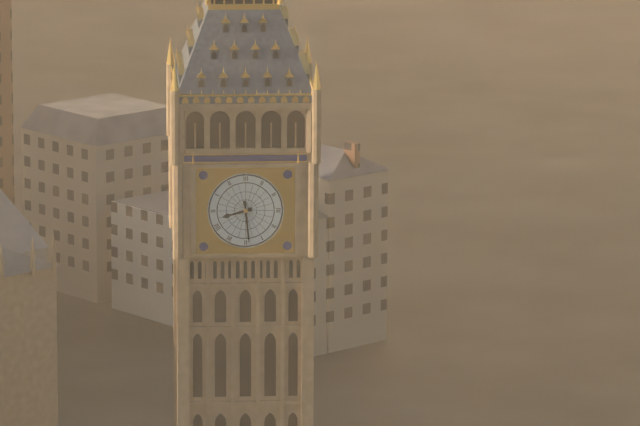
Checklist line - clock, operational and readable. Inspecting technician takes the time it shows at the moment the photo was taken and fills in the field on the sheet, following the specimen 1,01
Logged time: 8,29
